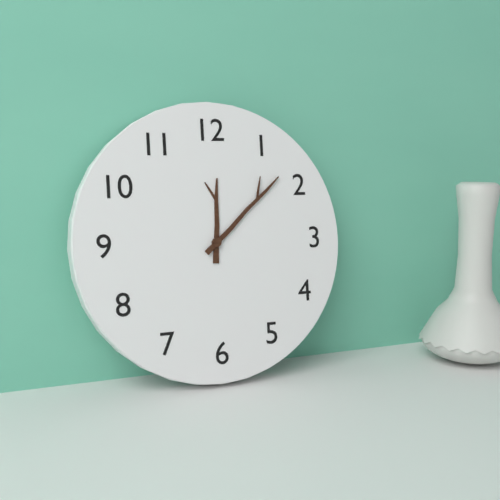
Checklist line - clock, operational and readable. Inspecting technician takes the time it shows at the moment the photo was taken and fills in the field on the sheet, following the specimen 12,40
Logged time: 12,08
